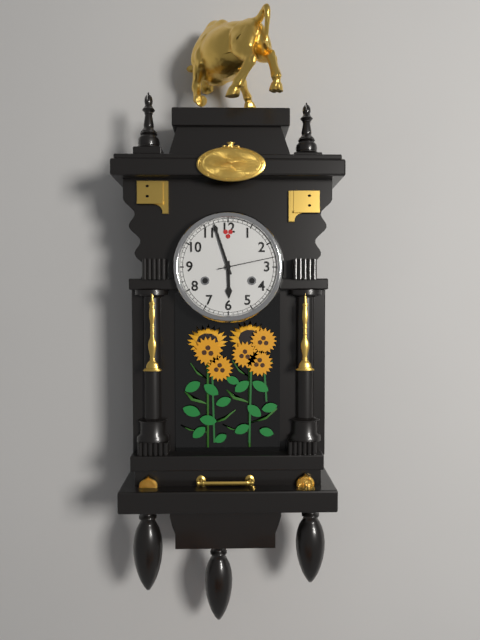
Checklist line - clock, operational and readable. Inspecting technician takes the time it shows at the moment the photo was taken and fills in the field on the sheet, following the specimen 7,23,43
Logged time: 5,57,13
